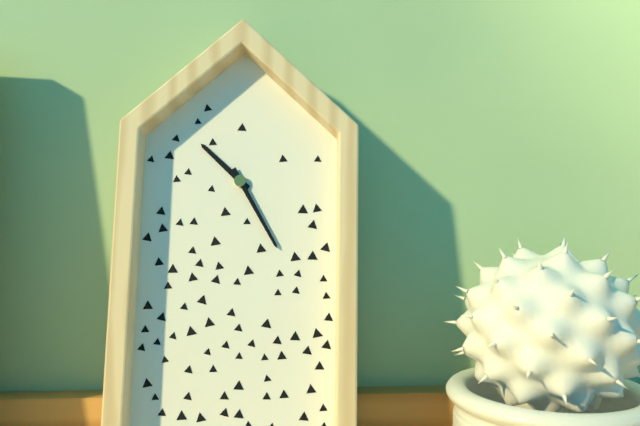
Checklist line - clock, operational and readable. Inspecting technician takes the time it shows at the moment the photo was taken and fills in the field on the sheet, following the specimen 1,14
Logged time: 10,25
